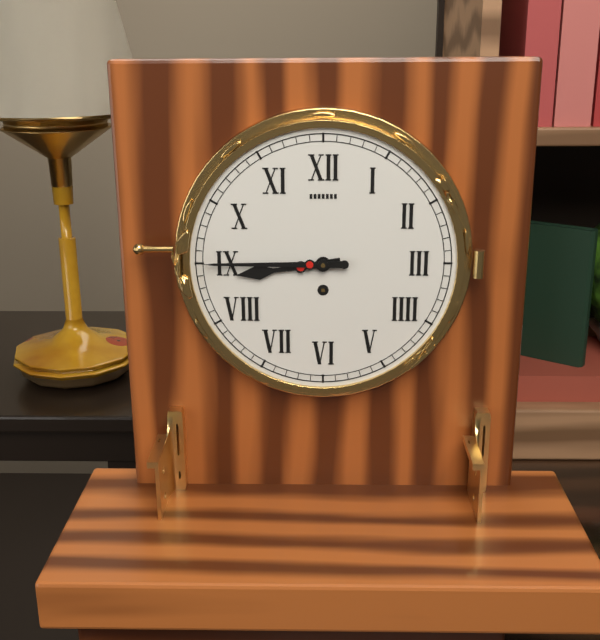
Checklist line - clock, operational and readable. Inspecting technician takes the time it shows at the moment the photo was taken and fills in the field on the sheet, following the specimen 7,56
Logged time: 8,45
